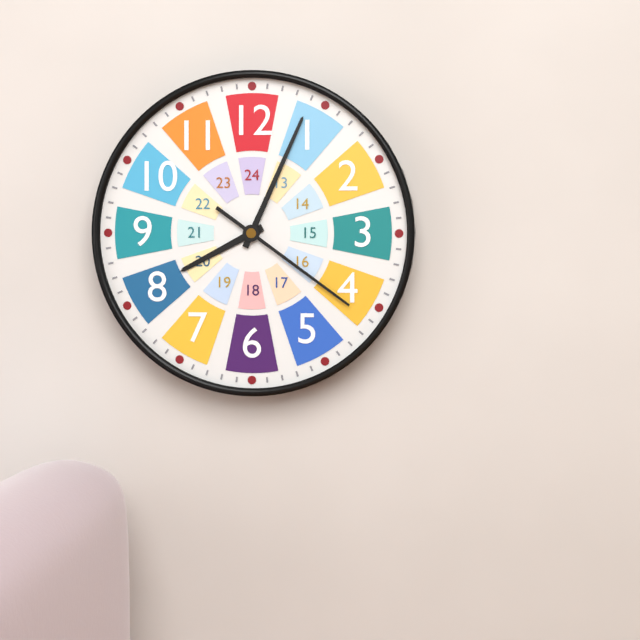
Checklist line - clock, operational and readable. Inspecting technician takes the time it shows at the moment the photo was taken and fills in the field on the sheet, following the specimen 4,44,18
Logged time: 8,04,21
